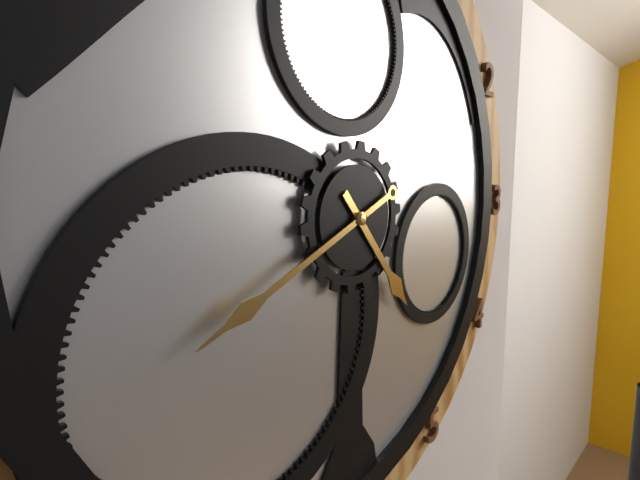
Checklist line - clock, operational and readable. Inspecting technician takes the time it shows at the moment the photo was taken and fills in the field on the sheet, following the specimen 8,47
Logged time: 4,41
